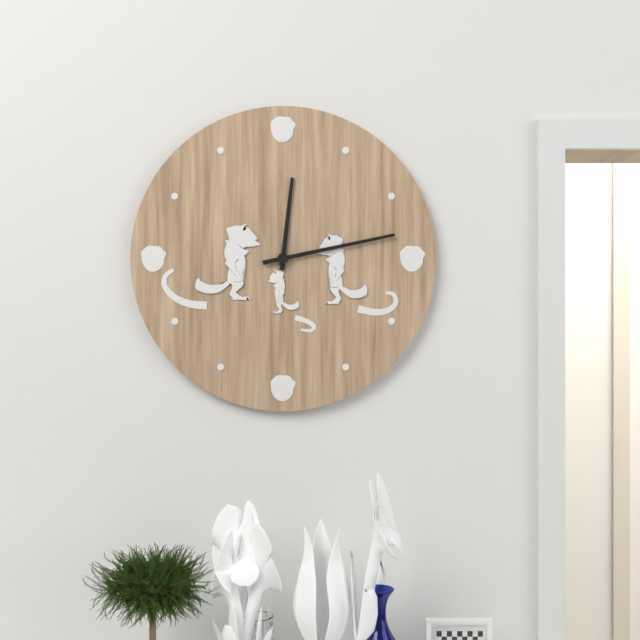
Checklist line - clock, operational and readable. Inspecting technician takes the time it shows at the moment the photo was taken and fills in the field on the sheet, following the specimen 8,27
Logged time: 12,13
